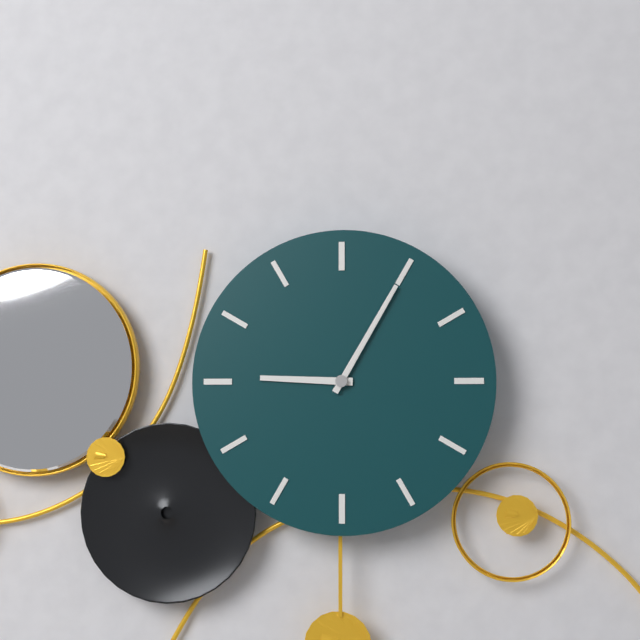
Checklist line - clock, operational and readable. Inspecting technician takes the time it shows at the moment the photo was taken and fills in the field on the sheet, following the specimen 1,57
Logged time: 9,05
